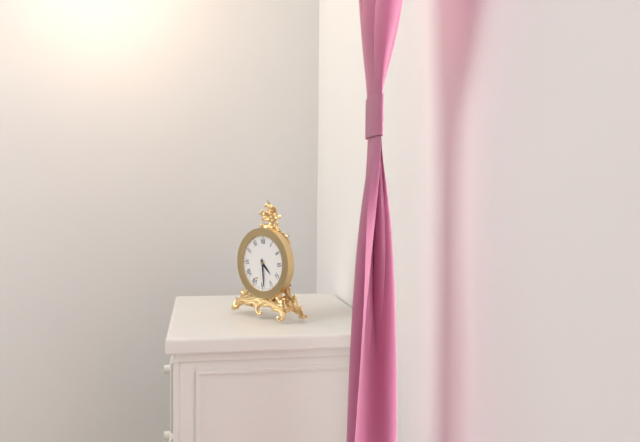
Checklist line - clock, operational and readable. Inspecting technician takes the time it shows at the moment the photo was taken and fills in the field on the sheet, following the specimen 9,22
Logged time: 4,29
